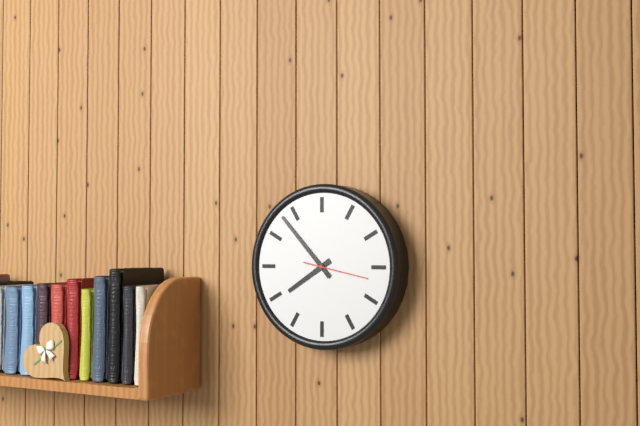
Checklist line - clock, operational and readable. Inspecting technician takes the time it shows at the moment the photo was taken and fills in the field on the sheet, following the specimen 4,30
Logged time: 7,53
